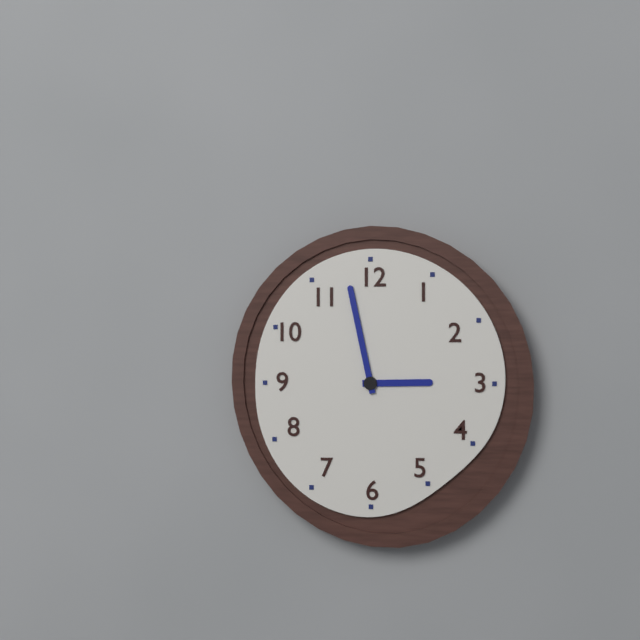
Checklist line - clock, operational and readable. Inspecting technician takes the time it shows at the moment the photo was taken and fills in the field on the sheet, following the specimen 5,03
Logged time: 2,58
